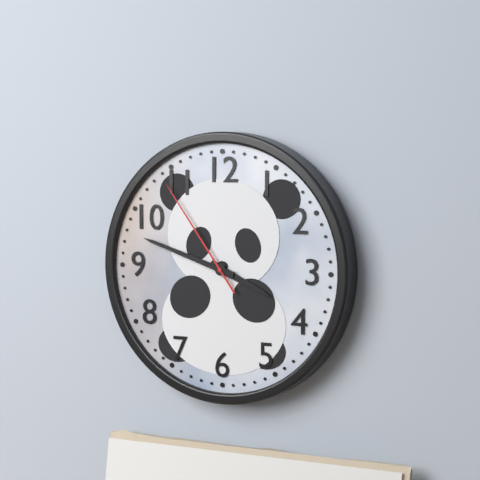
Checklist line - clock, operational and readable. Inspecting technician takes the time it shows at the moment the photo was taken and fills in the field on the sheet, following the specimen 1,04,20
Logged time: 3,48,54
